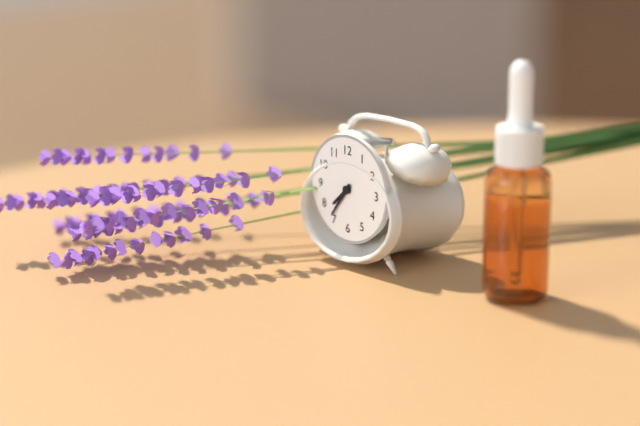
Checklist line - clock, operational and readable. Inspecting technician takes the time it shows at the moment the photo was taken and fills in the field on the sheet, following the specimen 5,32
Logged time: 7,36
